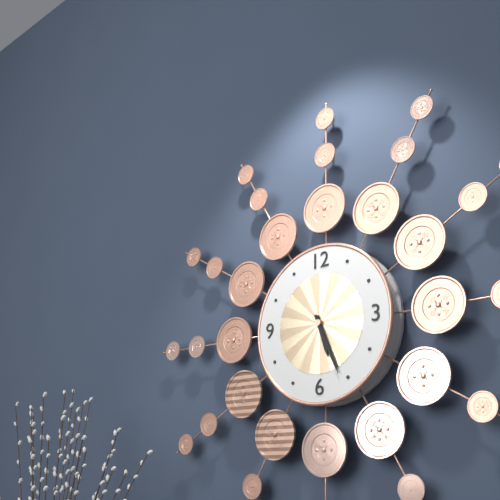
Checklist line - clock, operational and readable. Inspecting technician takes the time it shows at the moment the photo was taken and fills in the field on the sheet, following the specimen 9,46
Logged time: 5,26
